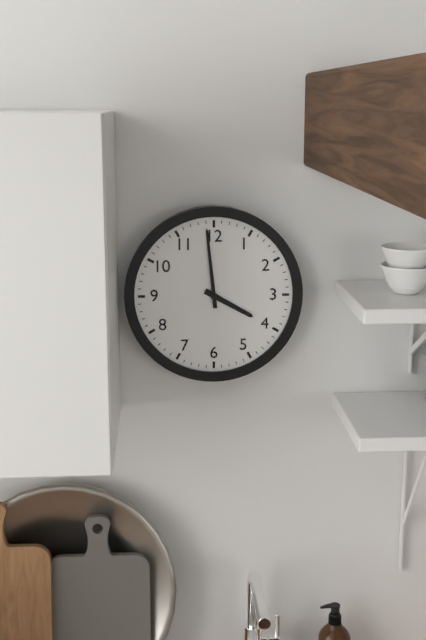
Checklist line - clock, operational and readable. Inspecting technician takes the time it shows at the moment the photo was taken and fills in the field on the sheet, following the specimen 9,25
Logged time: 3,59
